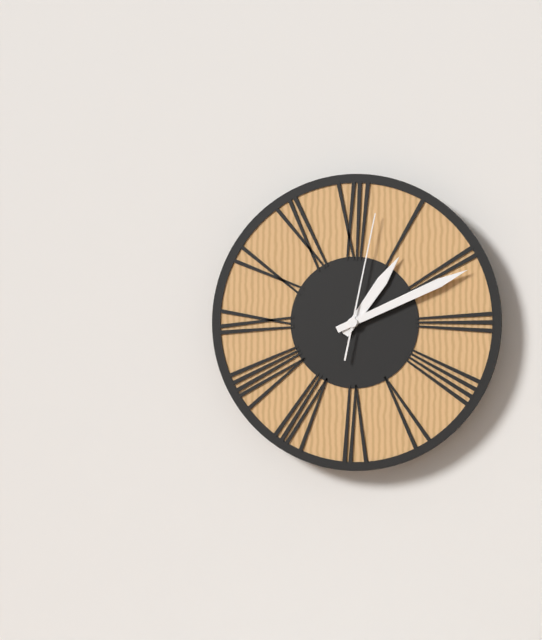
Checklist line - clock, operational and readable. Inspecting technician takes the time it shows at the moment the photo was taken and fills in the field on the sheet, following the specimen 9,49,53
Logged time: 1,11,02
